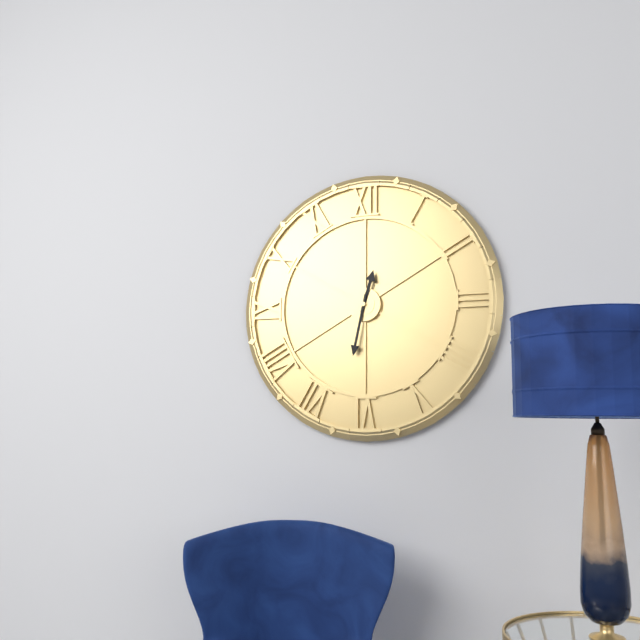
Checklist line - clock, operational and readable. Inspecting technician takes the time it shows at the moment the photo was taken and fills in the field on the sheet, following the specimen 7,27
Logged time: 12,32
